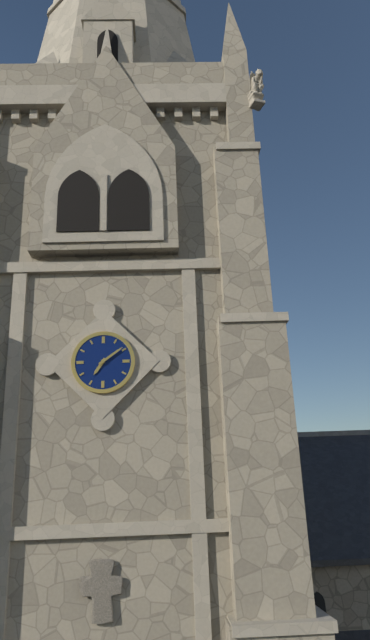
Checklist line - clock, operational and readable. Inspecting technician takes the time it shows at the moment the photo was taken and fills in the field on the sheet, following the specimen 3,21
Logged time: 7,09
